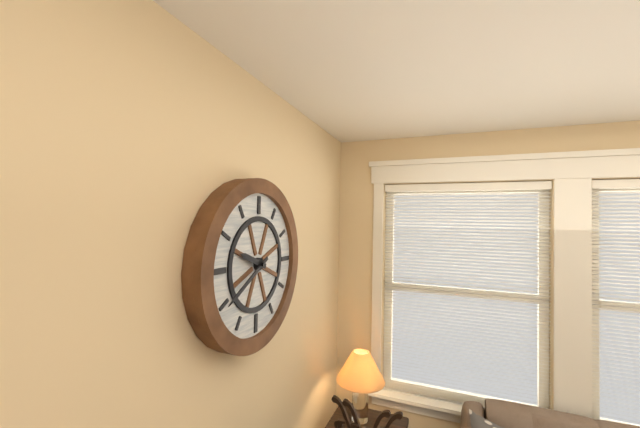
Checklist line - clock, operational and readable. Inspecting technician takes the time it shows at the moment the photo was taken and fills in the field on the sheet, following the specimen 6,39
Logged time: 9,40
